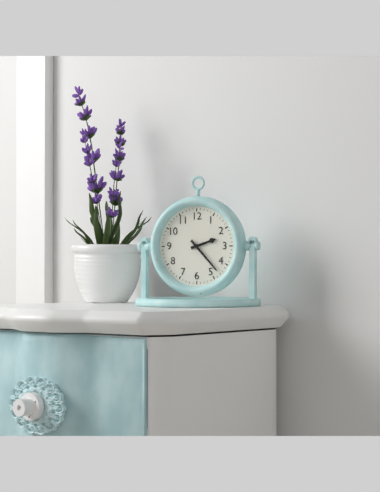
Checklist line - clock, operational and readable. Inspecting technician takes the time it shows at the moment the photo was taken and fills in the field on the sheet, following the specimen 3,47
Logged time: 2,23
